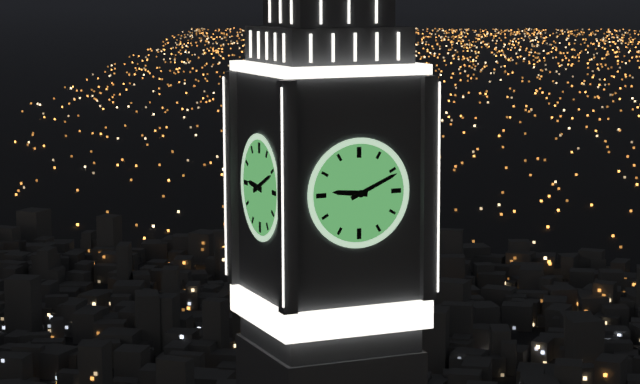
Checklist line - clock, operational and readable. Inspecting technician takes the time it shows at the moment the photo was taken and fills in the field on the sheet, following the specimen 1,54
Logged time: 9,11
